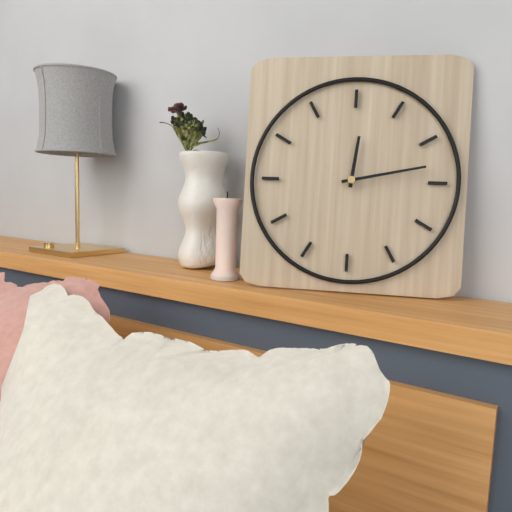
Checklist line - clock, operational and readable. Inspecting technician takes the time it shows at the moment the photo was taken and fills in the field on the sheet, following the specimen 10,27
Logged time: 12,13
